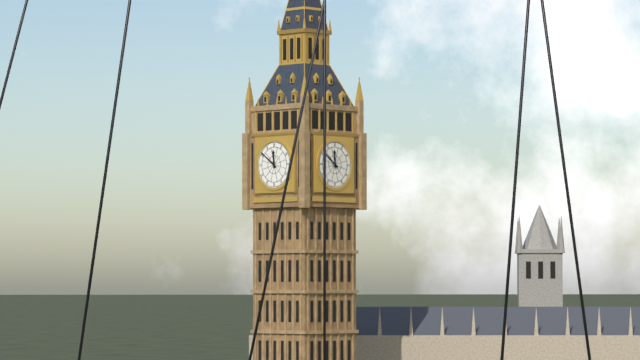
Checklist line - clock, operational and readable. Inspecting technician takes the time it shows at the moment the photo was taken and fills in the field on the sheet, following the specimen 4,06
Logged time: 11,51
